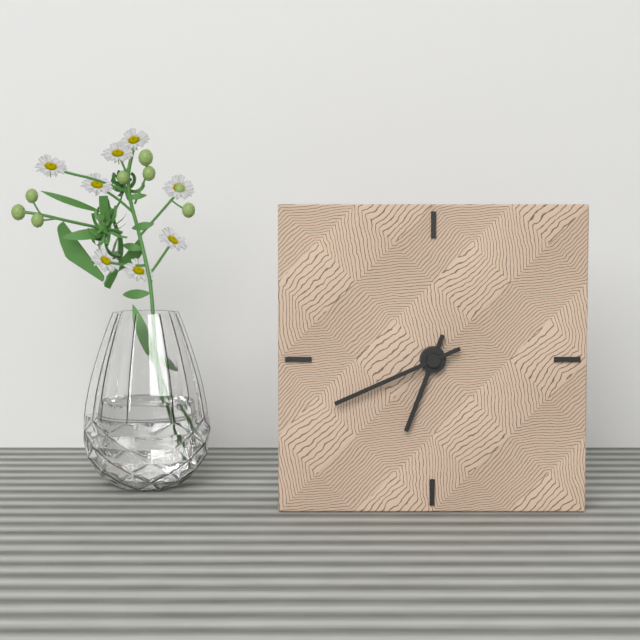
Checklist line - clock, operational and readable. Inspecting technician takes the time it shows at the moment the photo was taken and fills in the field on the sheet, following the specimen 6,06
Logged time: 6,41
